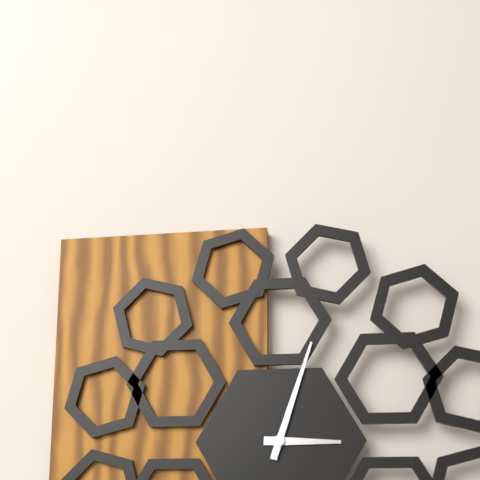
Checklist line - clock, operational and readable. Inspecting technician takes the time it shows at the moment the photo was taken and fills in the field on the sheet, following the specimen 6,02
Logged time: 3,03
